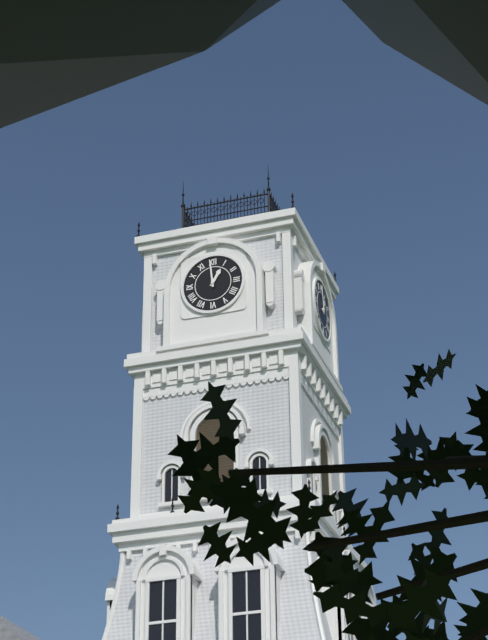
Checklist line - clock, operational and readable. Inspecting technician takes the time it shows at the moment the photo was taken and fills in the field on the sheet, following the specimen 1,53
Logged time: 12,59
